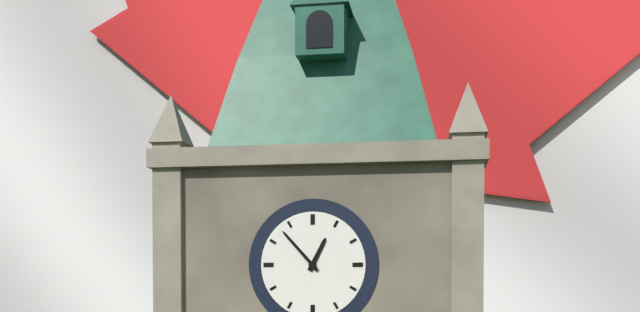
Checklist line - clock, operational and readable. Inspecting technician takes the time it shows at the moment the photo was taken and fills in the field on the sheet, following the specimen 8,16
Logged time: 12,53
